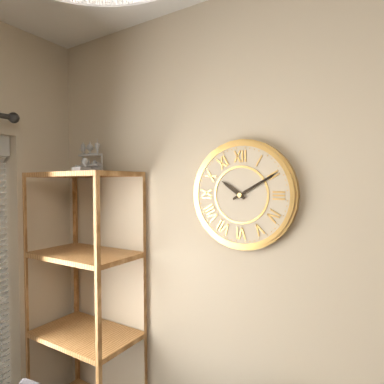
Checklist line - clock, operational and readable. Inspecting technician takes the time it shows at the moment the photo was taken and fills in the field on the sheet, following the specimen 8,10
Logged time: 10,10
